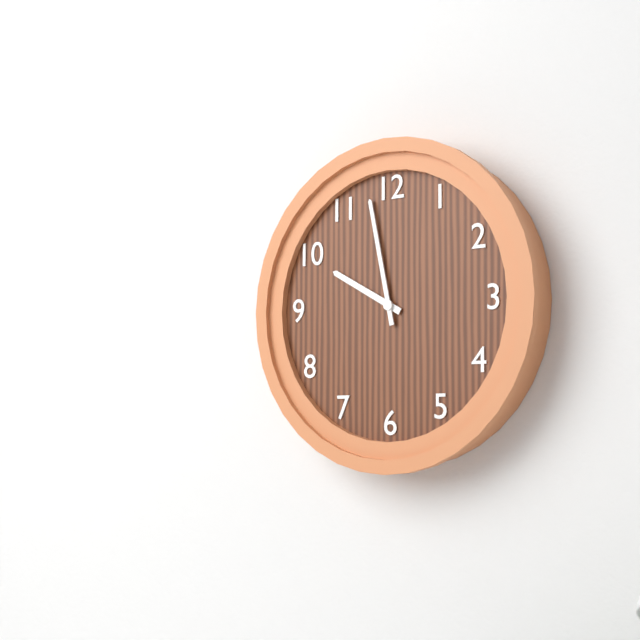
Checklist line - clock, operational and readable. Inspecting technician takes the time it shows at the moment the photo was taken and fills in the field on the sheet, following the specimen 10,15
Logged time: 9,58
